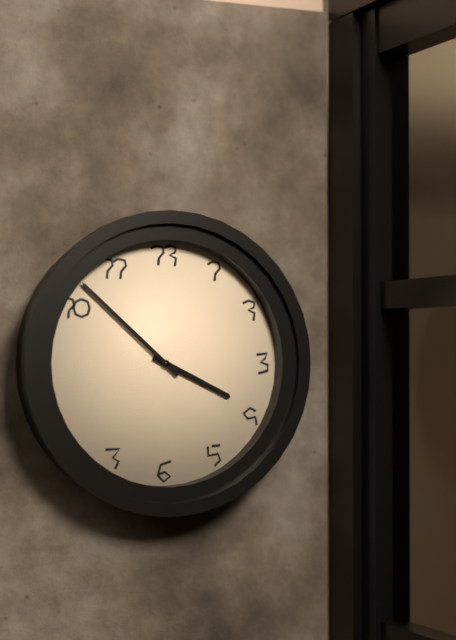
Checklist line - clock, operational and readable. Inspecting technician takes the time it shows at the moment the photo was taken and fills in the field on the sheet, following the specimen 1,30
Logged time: 3,52
